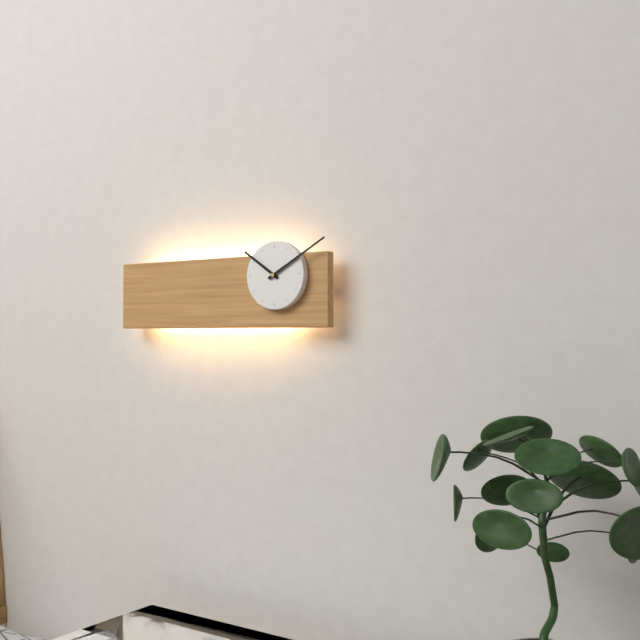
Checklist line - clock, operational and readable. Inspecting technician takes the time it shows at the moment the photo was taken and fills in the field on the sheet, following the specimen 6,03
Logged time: 10,10
